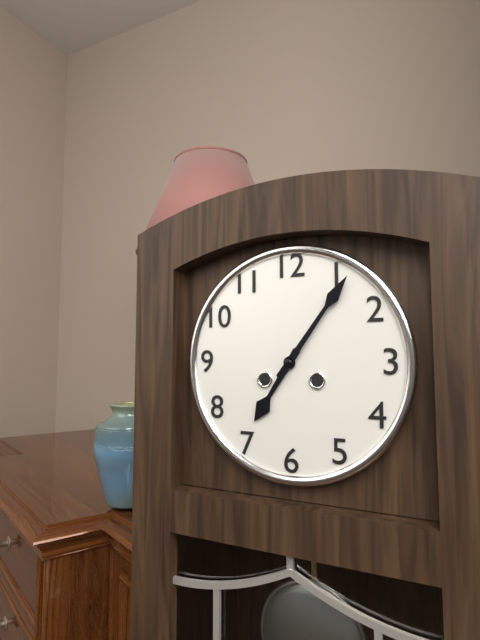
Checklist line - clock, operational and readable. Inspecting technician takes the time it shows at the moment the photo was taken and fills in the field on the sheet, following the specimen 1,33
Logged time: 7,06
